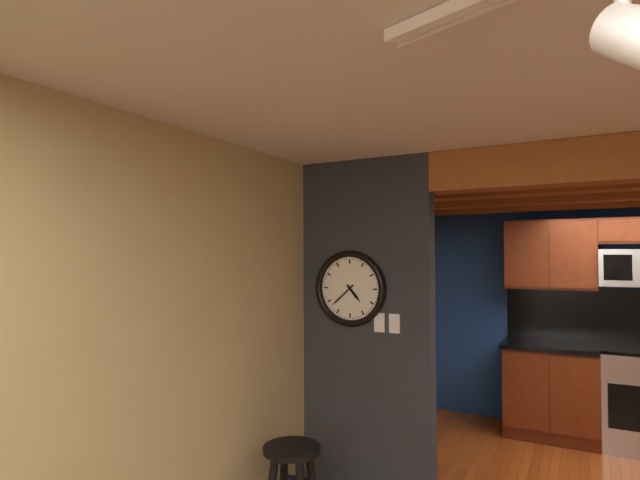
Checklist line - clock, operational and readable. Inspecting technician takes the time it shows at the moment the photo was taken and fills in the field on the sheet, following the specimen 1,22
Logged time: 4,38
